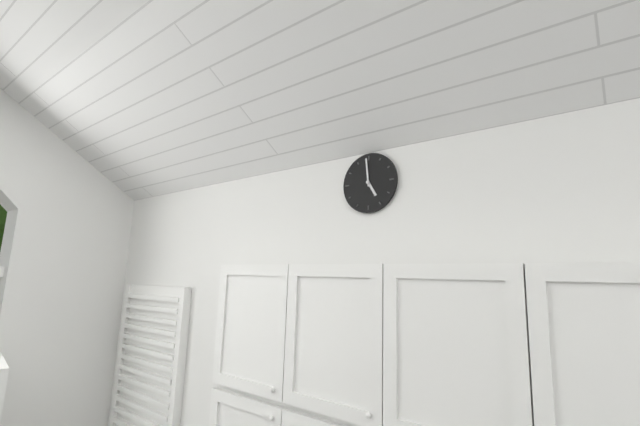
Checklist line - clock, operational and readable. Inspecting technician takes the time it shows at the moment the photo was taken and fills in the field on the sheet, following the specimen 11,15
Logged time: 4,59
